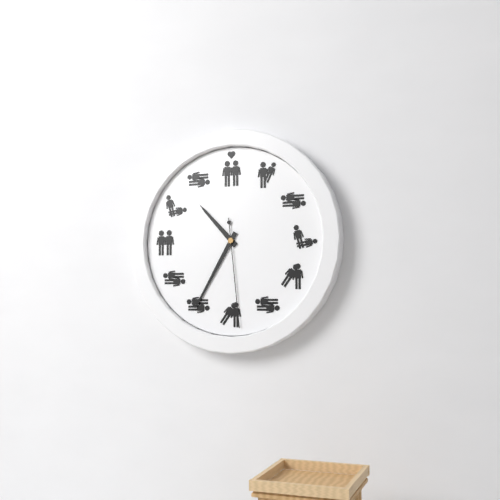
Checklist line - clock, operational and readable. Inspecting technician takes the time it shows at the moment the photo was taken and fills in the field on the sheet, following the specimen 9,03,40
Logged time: 10,35,29
